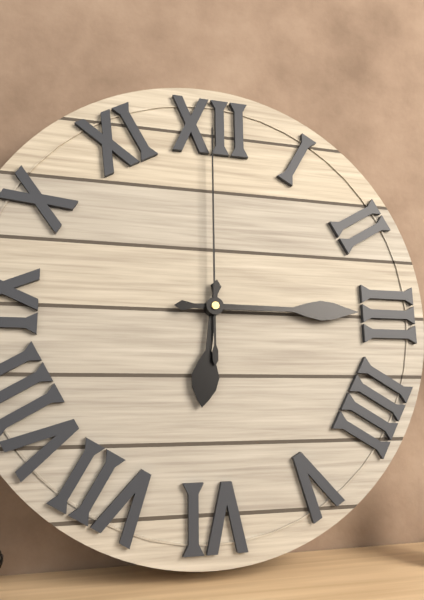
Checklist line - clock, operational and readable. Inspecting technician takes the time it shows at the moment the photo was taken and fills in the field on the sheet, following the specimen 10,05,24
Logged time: 6,15,00
